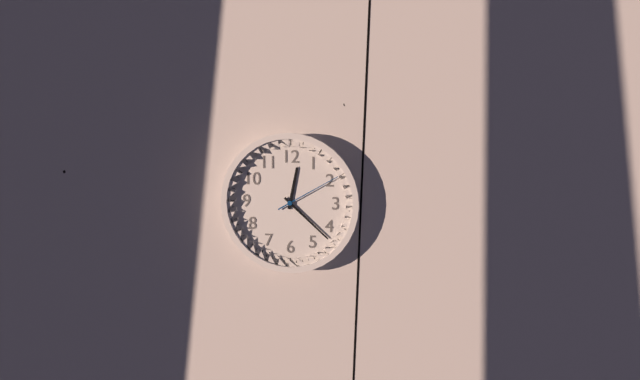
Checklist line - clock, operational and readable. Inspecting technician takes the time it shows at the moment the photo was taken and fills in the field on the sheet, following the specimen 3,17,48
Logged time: 12,22,10
